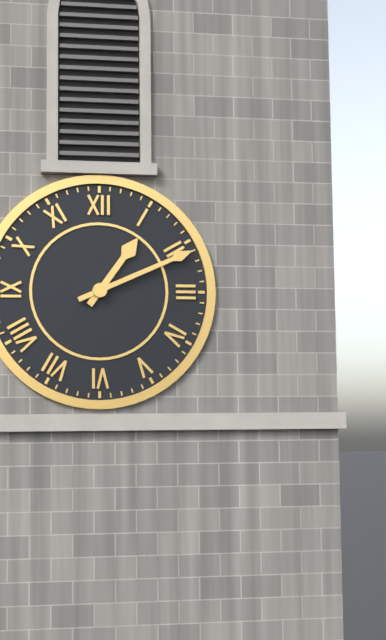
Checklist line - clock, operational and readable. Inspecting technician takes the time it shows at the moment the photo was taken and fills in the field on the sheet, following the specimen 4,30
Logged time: 1,11
